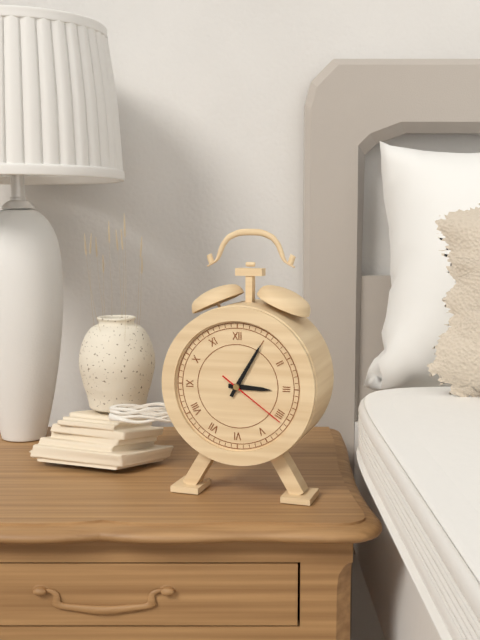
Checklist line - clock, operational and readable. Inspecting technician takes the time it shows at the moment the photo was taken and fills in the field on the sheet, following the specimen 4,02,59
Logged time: 3,05,21
